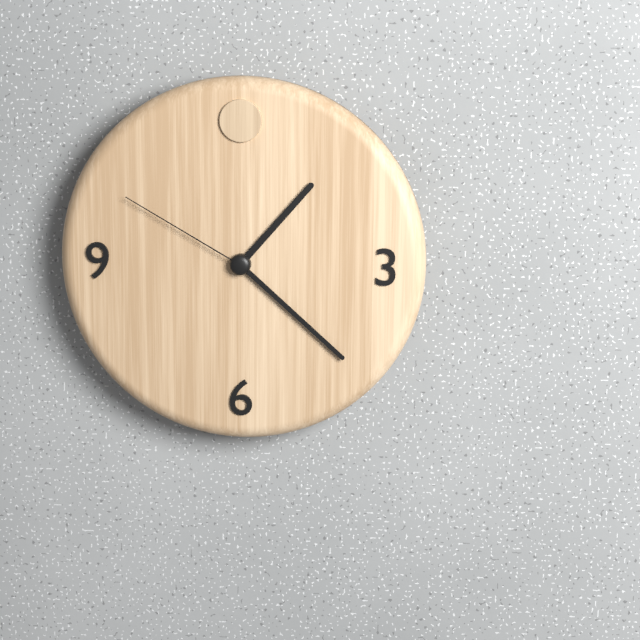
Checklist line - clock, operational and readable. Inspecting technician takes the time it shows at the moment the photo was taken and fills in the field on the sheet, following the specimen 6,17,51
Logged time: 1,22,50
